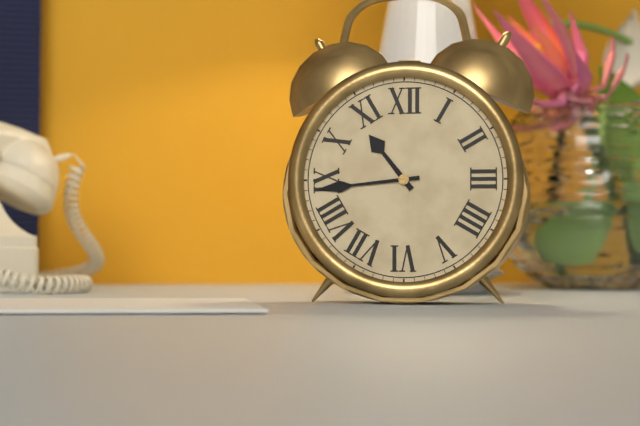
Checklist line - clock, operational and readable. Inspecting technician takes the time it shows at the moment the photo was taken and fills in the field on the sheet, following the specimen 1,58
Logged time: 10,44
